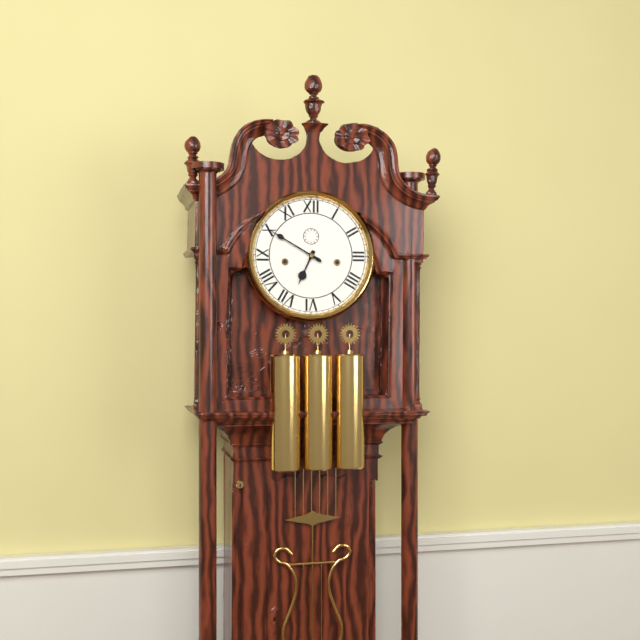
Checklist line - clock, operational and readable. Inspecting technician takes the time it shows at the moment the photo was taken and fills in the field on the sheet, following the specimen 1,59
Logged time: 6,50
